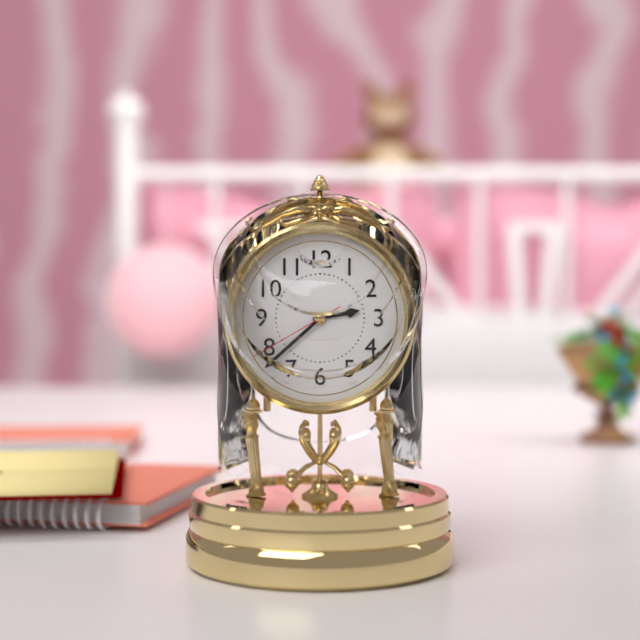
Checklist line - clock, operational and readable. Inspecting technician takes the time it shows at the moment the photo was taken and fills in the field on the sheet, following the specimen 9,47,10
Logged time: 2,38,40
